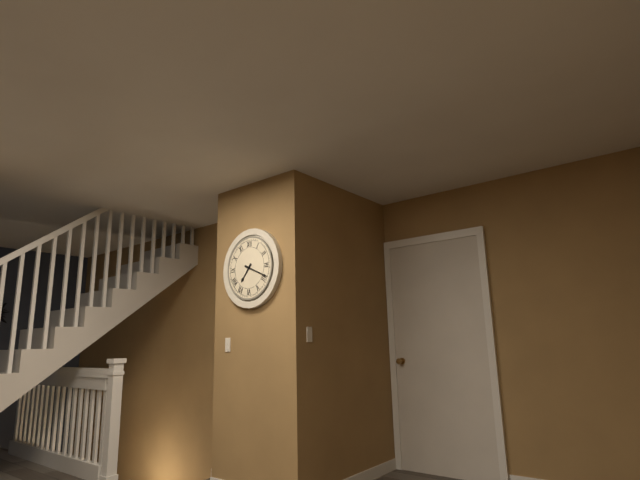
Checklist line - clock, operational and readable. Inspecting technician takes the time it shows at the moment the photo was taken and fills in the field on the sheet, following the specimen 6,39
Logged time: 7,19
